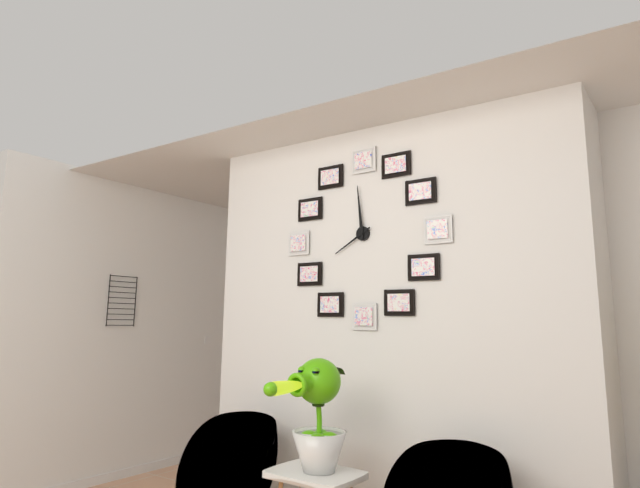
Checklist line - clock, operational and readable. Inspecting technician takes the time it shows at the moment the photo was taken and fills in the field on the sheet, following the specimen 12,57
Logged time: 7,59
